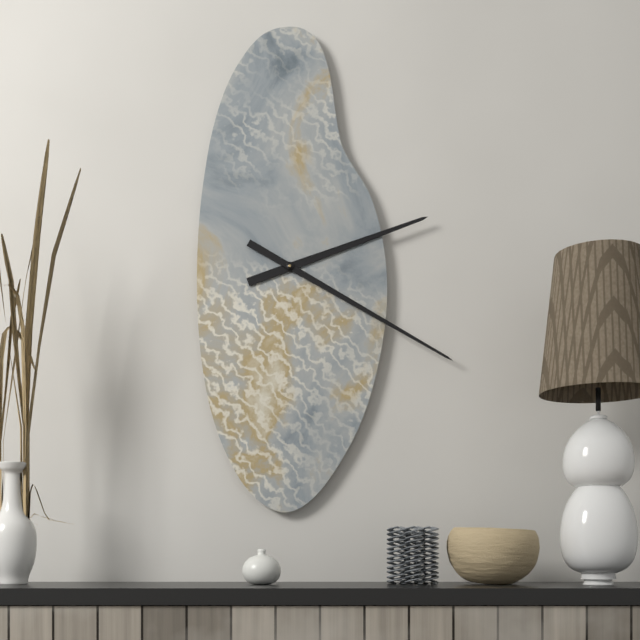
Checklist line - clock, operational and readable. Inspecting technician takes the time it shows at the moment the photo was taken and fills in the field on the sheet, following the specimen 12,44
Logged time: 2,20
